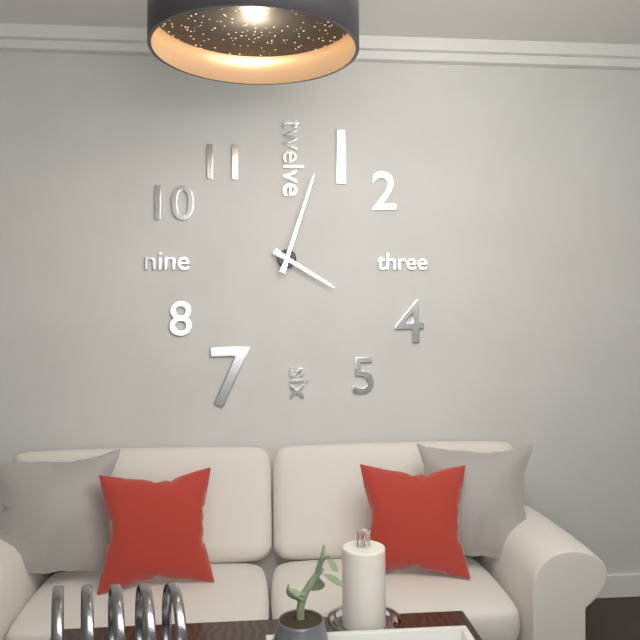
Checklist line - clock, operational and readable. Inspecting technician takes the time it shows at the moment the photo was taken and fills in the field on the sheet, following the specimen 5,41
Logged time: 4,03
